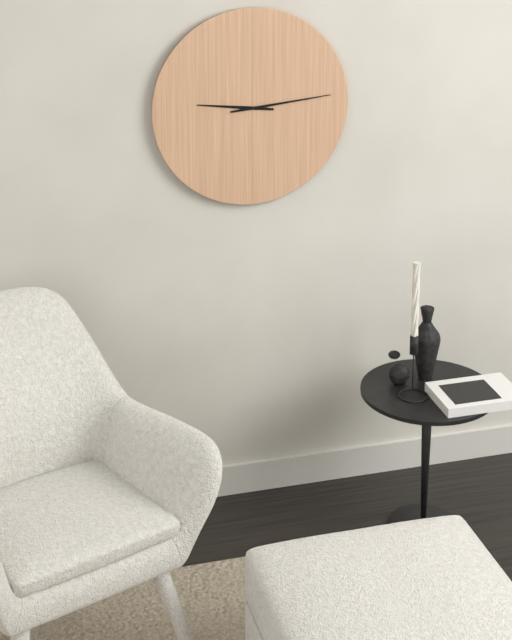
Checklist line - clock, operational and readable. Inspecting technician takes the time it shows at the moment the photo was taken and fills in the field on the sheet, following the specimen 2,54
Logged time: 9,14
